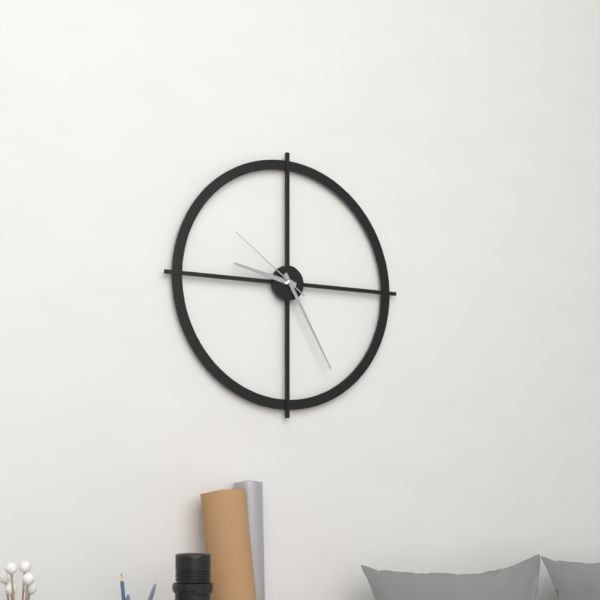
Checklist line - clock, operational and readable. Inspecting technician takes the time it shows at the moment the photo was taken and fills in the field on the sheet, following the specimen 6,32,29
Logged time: 9,25,51
